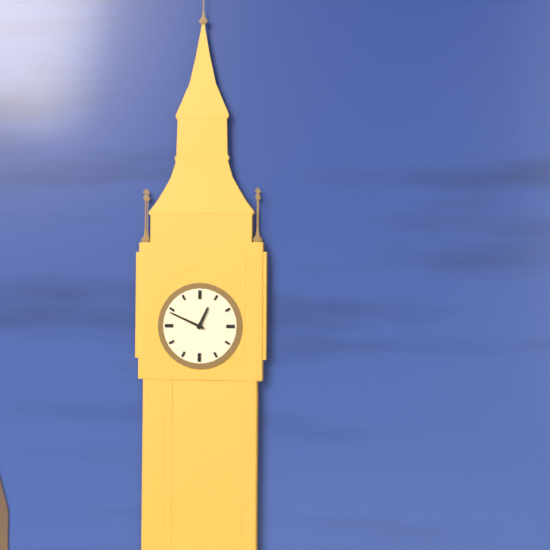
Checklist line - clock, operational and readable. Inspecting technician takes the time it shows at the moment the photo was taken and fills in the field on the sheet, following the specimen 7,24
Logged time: 12,49
